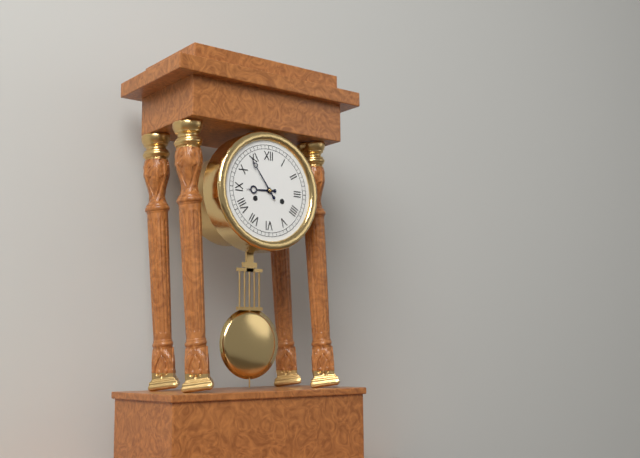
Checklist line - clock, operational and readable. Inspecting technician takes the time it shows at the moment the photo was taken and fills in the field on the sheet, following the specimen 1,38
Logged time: 8,54
